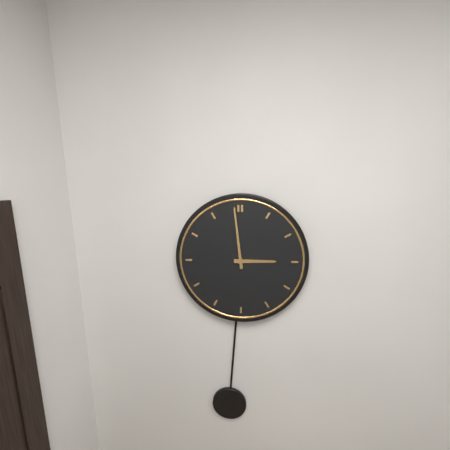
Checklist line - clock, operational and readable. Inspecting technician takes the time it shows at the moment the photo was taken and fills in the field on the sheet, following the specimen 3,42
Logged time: 2,59
